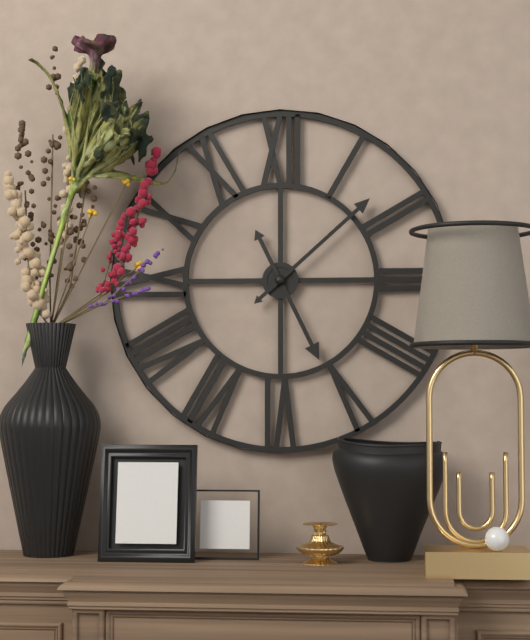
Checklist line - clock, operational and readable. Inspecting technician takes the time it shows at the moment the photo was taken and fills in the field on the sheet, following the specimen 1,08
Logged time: 5,08
